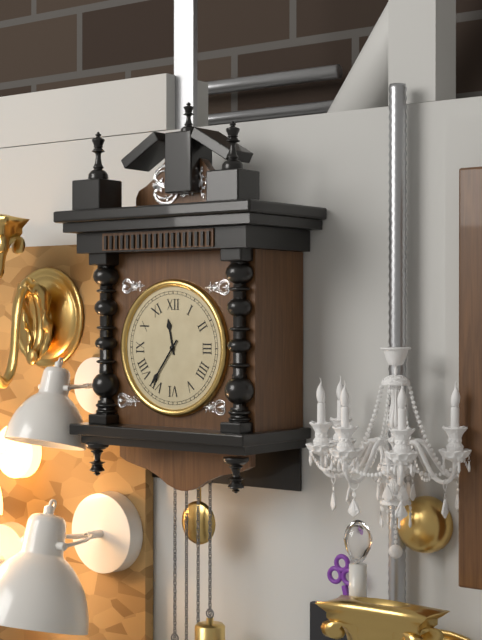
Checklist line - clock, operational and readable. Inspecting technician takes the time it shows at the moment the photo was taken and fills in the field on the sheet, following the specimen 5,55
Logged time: 11,36
